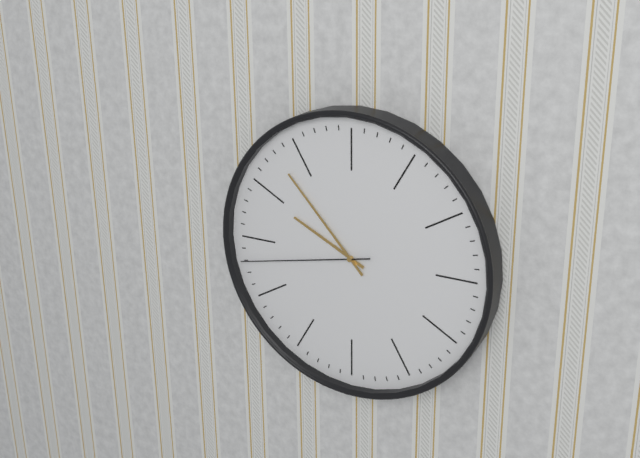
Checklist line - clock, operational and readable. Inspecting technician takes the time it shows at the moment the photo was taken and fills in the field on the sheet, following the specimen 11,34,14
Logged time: 9,53,43
